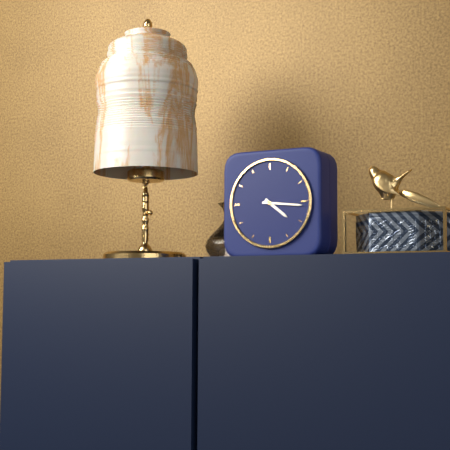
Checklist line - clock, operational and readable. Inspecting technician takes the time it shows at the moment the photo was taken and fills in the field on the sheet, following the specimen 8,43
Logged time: 4,16
